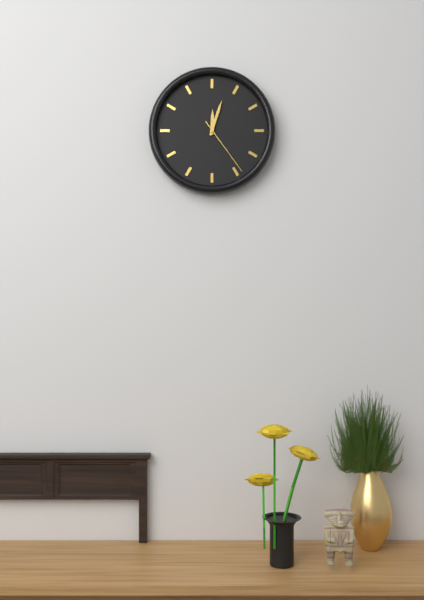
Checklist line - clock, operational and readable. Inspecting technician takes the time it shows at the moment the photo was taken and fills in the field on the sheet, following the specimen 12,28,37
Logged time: 12,03,24
